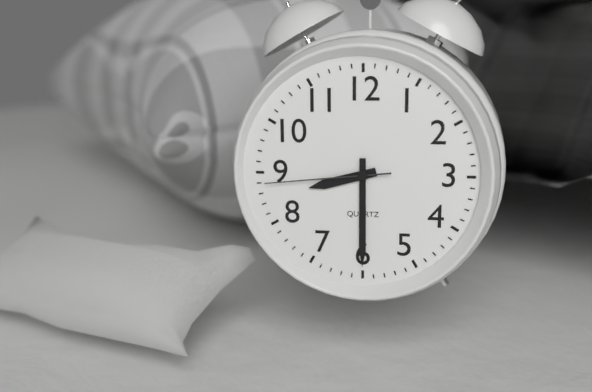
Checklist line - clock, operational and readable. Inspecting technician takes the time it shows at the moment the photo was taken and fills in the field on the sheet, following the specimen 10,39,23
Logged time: 8,30,44
